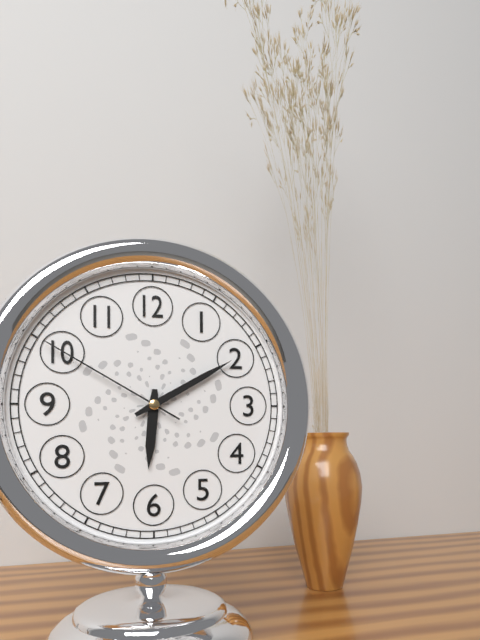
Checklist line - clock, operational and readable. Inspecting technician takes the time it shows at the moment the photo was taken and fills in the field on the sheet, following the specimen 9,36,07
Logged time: 6,10,50
